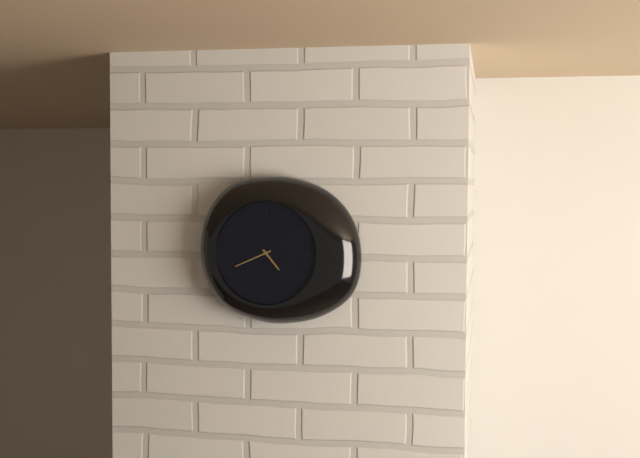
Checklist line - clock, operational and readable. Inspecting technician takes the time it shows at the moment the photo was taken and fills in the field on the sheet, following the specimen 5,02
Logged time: 4,41
